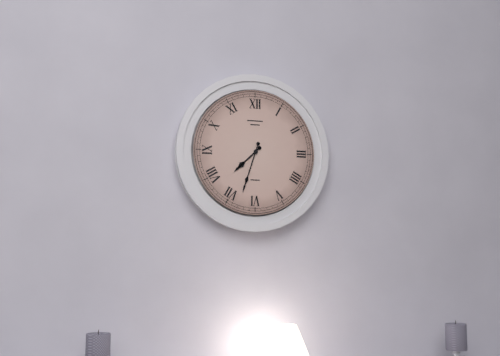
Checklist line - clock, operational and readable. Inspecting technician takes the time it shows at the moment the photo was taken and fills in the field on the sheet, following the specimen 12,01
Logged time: 7,33
